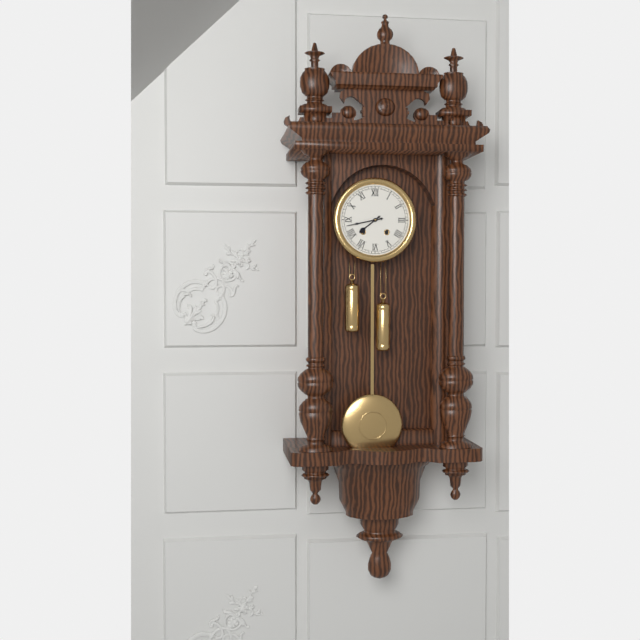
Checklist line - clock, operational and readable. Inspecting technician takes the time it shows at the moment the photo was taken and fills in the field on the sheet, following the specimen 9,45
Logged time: 7,43
